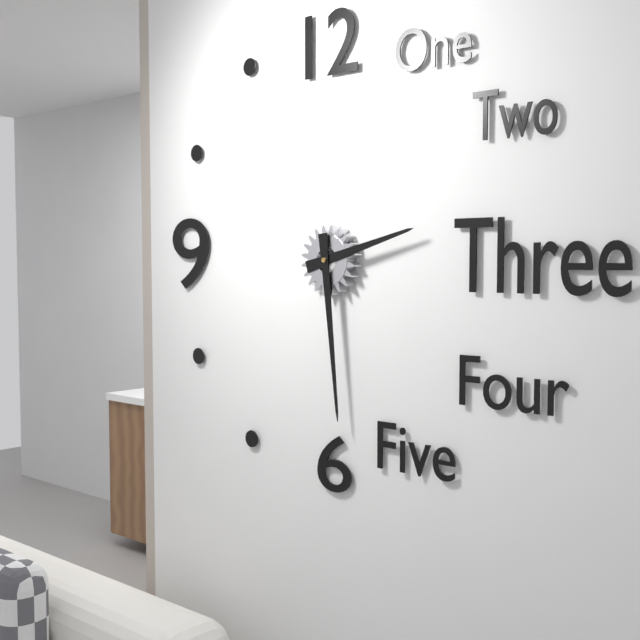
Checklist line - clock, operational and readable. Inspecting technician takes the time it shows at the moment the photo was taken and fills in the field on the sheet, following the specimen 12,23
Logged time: 2,29
